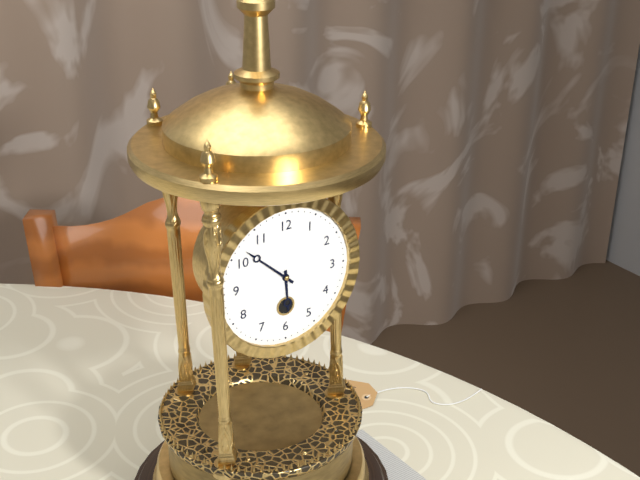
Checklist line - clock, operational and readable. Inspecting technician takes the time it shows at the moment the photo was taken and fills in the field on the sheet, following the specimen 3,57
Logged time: 5,52
